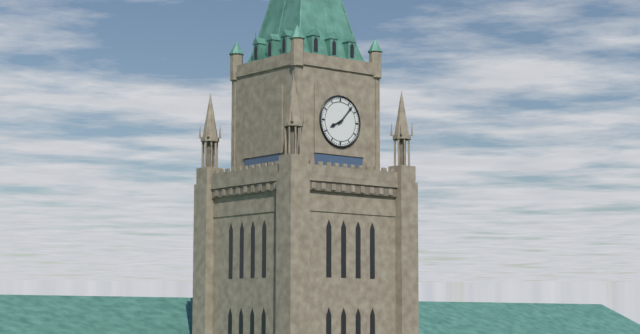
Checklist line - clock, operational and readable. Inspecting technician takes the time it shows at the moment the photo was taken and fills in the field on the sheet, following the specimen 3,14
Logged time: 8,07
